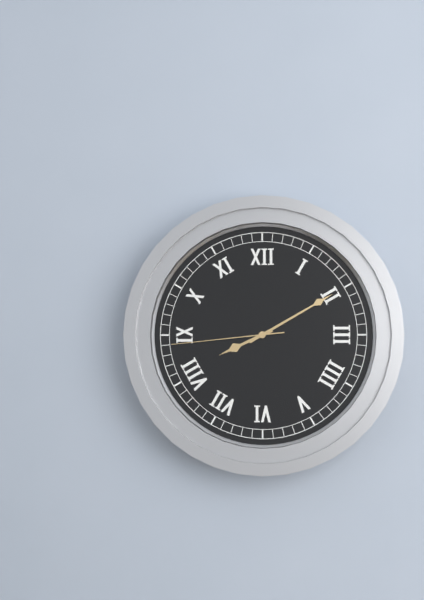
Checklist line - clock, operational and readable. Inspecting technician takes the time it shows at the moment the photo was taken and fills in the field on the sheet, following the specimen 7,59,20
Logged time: 8,10,44
